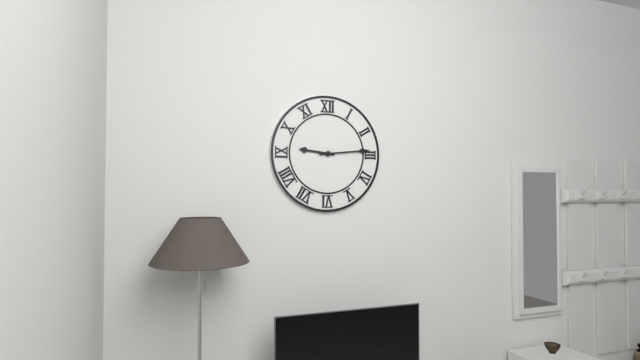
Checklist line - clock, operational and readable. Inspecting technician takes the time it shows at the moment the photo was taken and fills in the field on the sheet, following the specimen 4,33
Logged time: 9,14
